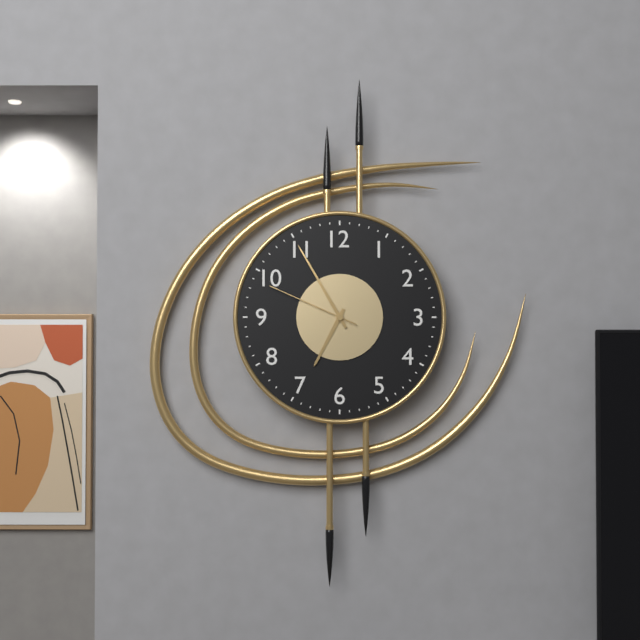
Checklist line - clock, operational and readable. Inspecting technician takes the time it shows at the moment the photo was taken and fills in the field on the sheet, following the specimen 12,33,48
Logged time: 6,55,49
